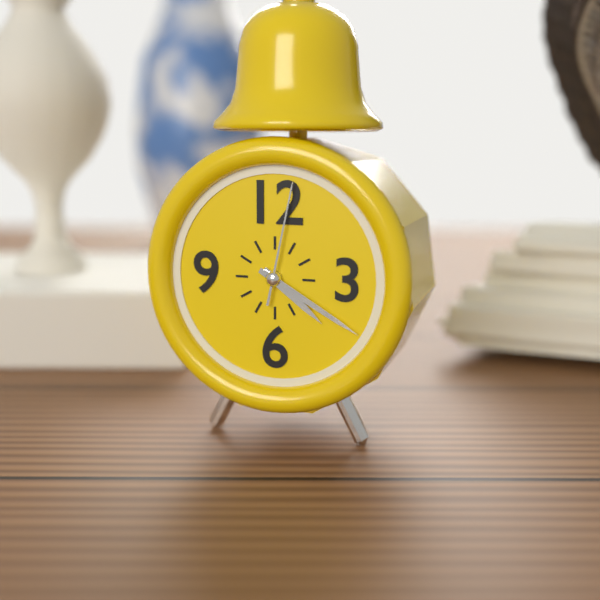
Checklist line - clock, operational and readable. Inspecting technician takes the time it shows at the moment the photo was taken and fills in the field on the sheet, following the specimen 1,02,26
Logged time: 4,20,02
